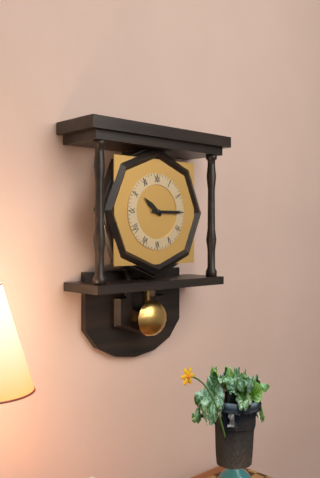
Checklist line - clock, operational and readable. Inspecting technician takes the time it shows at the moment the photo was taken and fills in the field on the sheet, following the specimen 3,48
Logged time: 10,15
